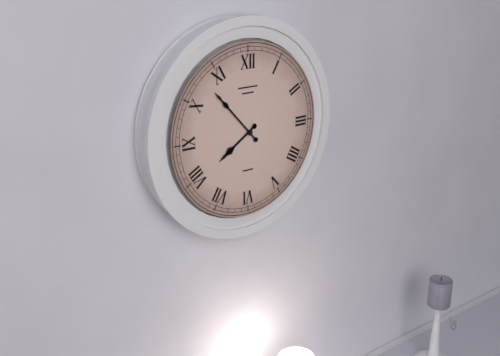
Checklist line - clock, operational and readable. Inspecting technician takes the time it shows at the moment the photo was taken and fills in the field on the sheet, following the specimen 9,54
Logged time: 7,53
